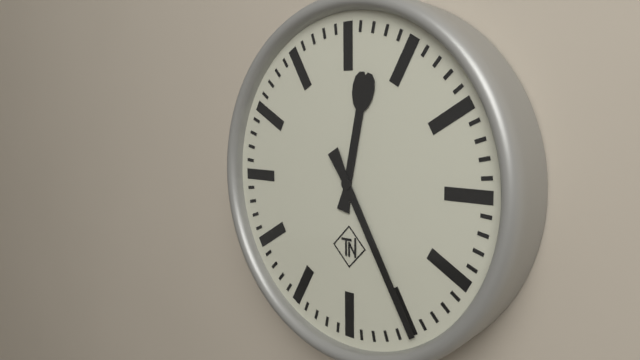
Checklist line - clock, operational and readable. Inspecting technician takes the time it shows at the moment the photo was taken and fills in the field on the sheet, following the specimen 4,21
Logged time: 12,25
